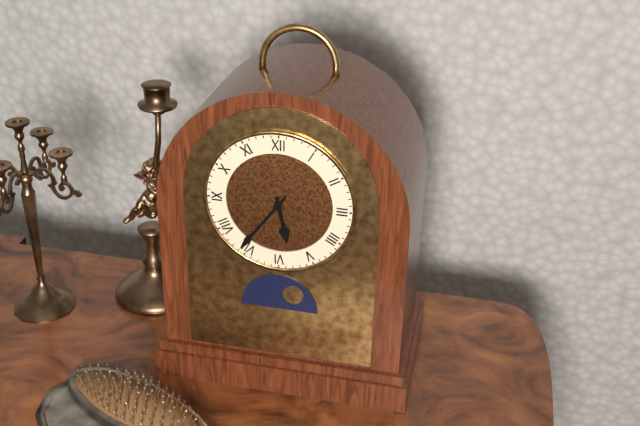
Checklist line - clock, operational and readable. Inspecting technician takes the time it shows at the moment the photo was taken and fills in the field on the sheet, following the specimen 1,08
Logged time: 5,36
